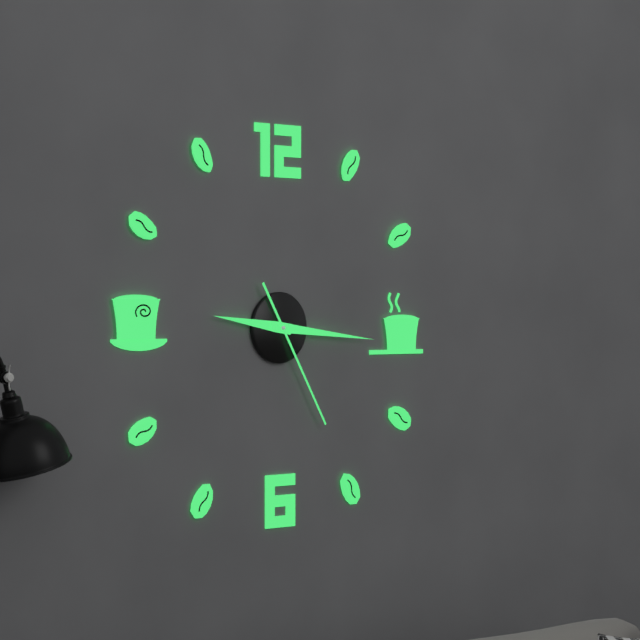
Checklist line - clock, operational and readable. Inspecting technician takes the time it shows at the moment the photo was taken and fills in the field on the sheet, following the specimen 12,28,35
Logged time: 9,16,25
